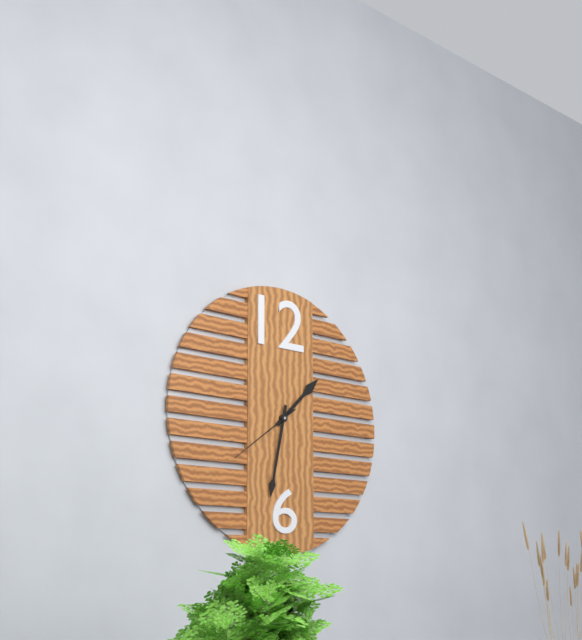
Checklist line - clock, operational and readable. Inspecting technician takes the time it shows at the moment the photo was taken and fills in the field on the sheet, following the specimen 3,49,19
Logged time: 1,32,39
